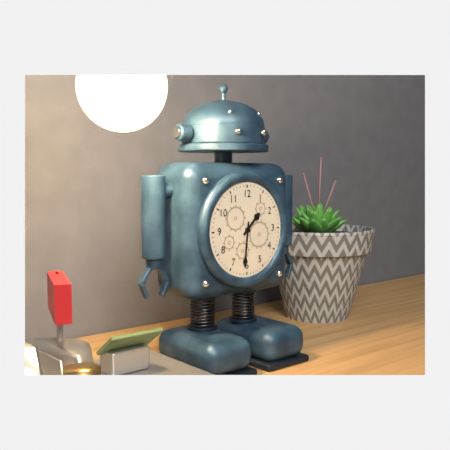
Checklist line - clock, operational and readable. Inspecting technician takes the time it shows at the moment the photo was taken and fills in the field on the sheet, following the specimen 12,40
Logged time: 1,31
